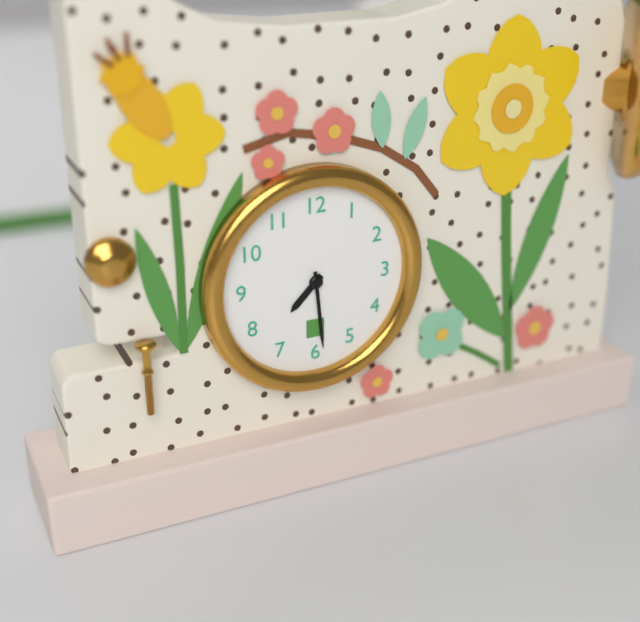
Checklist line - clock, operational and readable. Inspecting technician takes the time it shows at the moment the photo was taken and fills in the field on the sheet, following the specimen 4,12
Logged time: 7,29
